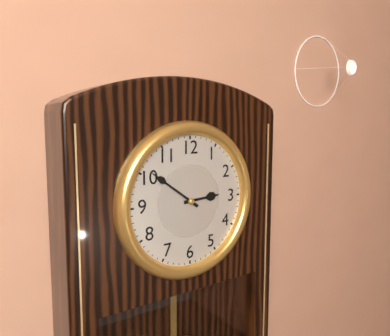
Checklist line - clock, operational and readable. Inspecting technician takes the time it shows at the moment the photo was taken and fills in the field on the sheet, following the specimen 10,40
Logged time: 2,51
